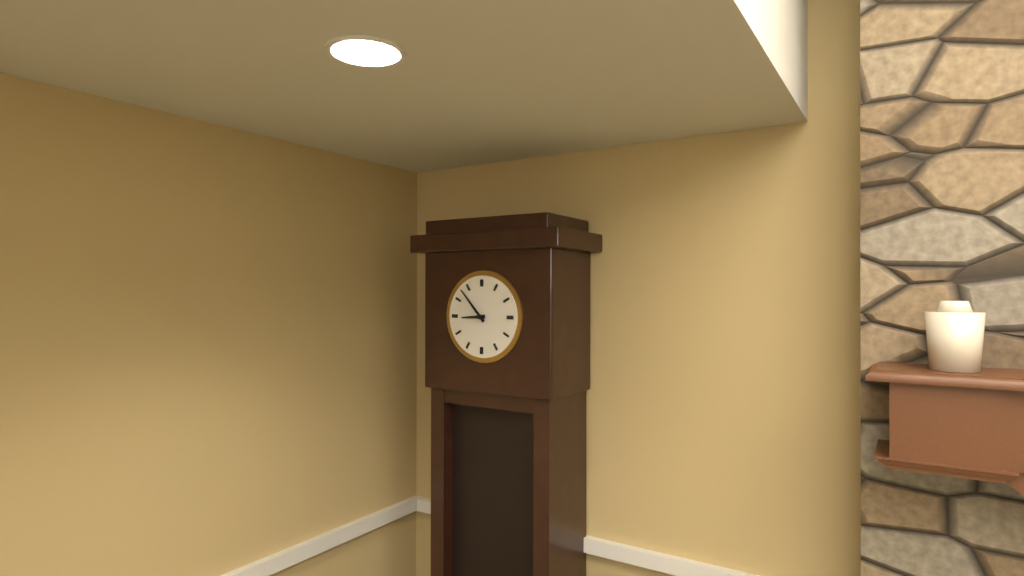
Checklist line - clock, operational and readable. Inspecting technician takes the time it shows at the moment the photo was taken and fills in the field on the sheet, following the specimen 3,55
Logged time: 8,53
